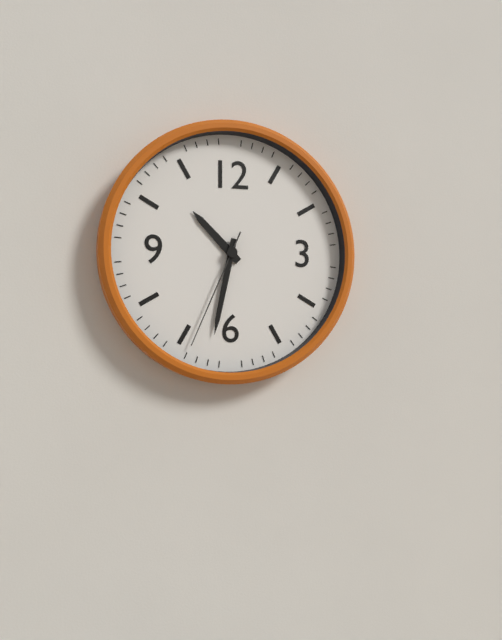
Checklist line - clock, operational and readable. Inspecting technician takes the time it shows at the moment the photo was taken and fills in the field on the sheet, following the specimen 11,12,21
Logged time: 10,32,34
